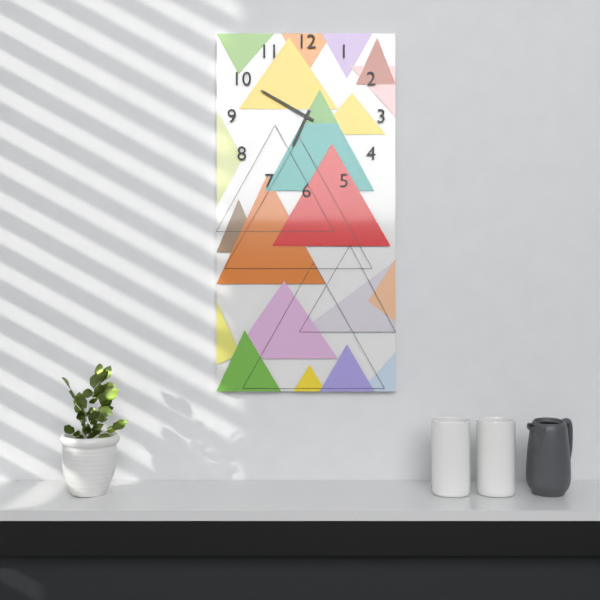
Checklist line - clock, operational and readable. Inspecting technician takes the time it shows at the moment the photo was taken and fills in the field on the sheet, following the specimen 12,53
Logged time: 6,50
